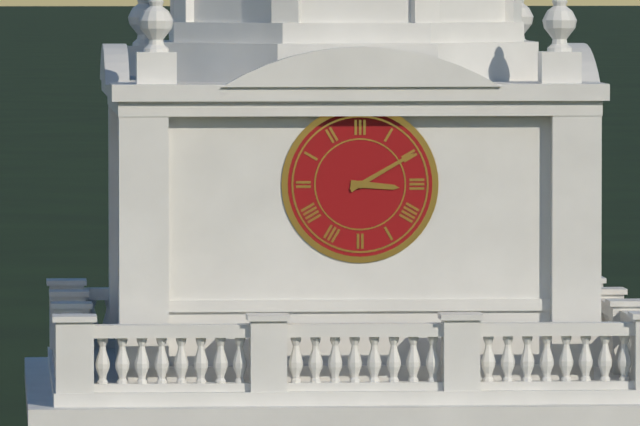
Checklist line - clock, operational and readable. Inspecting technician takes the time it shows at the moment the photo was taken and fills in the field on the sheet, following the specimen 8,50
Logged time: 3,10
